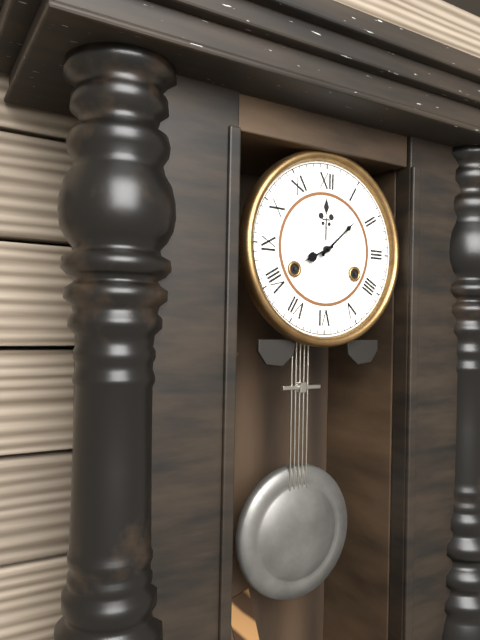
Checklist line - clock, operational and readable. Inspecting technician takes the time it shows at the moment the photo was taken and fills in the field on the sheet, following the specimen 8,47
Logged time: 8,08
